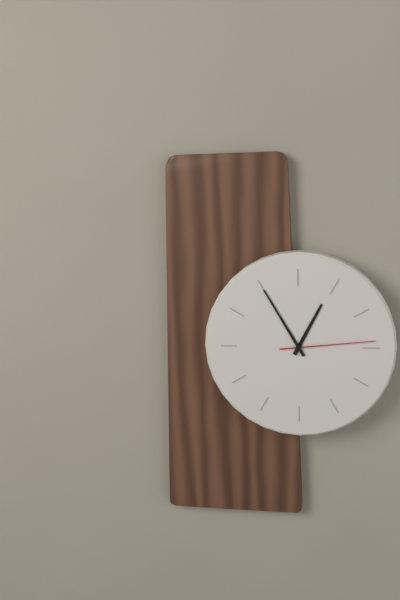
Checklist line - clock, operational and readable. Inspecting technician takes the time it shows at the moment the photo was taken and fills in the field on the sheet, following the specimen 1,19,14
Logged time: 12,55,14
